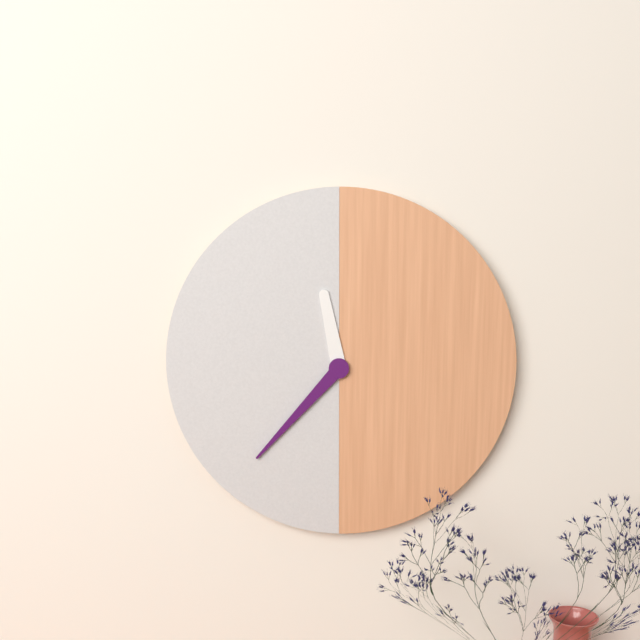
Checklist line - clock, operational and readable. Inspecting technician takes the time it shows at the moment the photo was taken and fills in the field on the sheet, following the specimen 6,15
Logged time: 11,37
